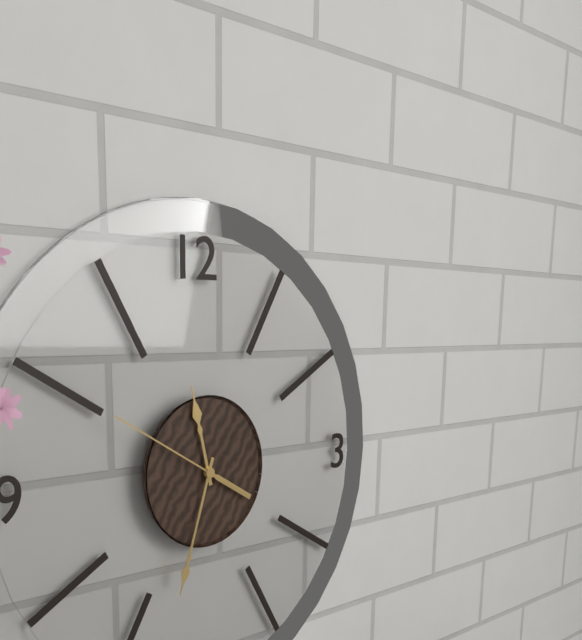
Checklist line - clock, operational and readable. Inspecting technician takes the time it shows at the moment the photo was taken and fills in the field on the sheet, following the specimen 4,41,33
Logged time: 11,33,50
